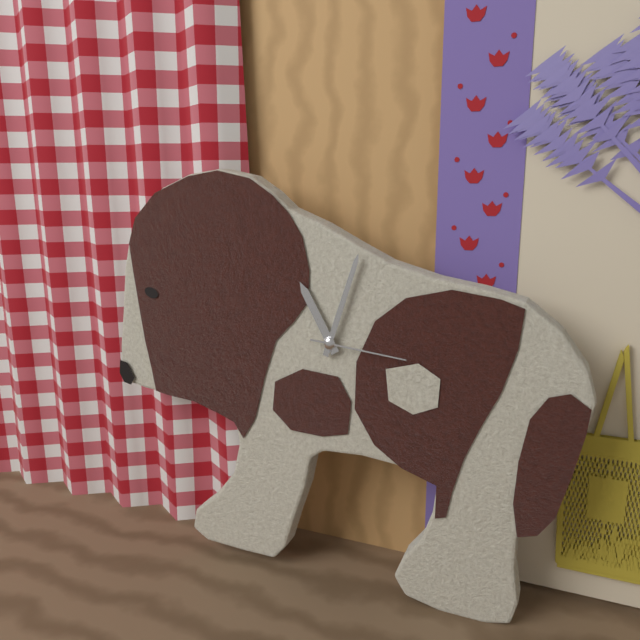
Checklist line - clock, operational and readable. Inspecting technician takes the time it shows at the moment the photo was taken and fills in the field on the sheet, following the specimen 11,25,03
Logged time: 11,03,16
